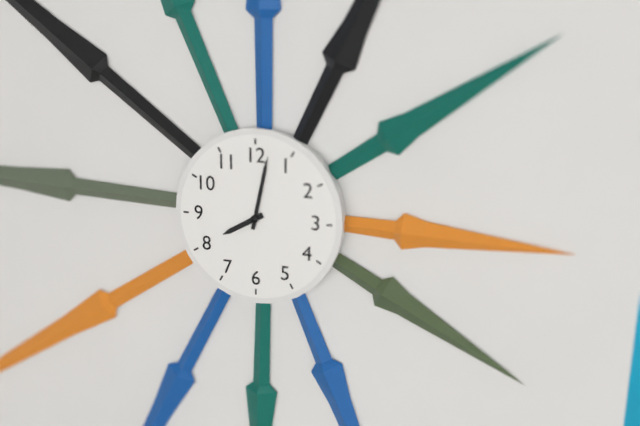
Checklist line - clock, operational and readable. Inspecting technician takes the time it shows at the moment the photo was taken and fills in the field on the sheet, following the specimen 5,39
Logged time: 8,02
